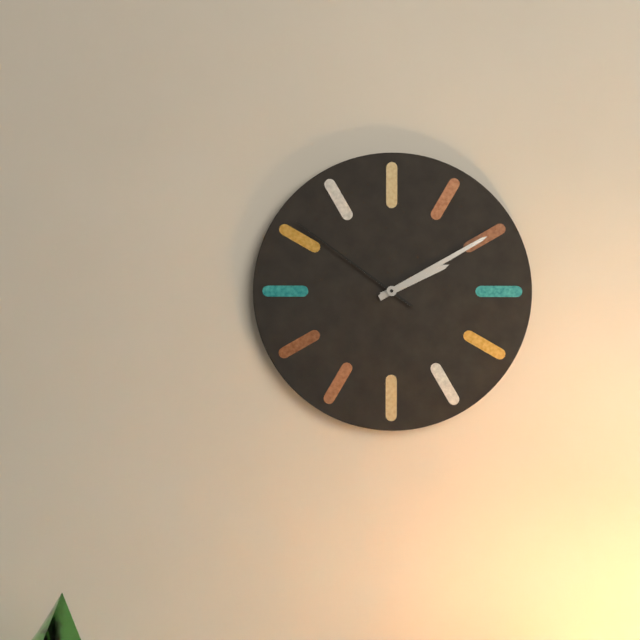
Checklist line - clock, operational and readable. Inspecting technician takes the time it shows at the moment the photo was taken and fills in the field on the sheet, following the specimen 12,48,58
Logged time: 2,10,51
